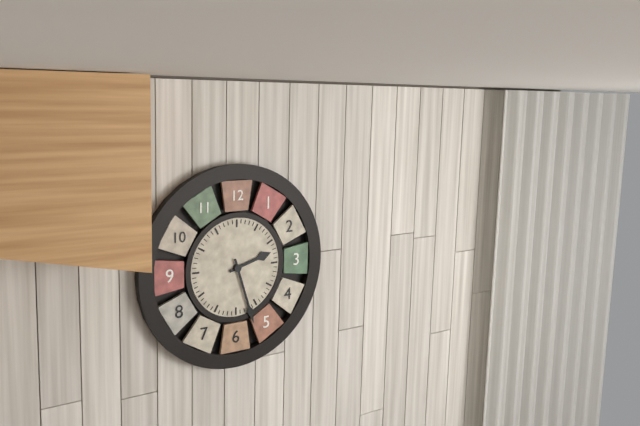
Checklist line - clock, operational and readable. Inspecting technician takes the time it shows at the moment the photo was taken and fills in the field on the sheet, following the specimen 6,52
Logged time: 2,27
